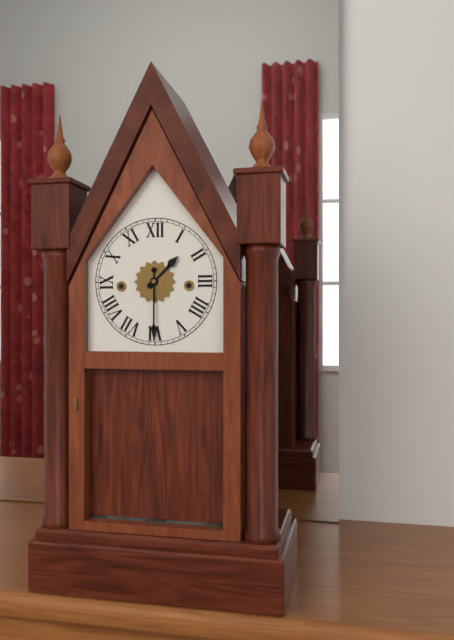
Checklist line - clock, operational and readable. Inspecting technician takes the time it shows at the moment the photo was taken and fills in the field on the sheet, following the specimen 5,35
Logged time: 1,30
